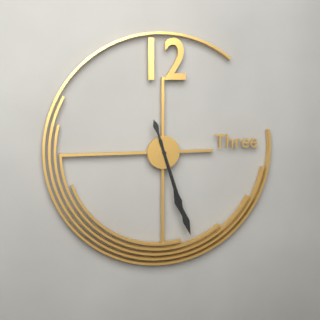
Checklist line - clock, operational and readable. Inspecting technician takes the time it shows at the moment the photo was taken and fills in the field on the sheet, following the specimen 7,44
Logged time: 5,27
